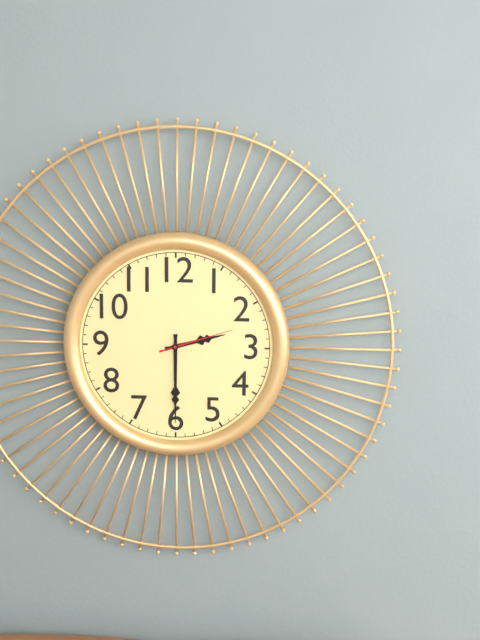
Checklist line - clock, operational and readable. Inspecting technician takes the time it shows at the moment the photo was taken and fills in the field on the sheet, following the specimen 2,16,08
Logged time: 2,30,12
